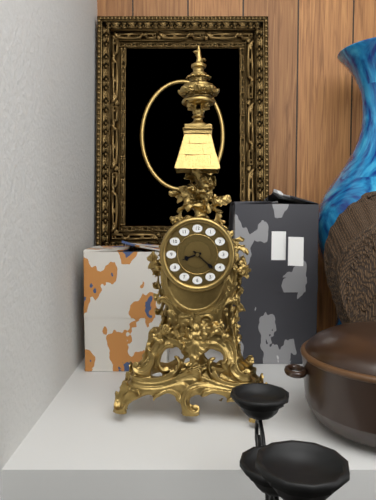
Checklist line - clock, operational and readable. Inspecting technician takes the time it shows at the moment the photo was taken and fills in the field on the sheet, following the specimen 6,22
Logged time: 8,22
